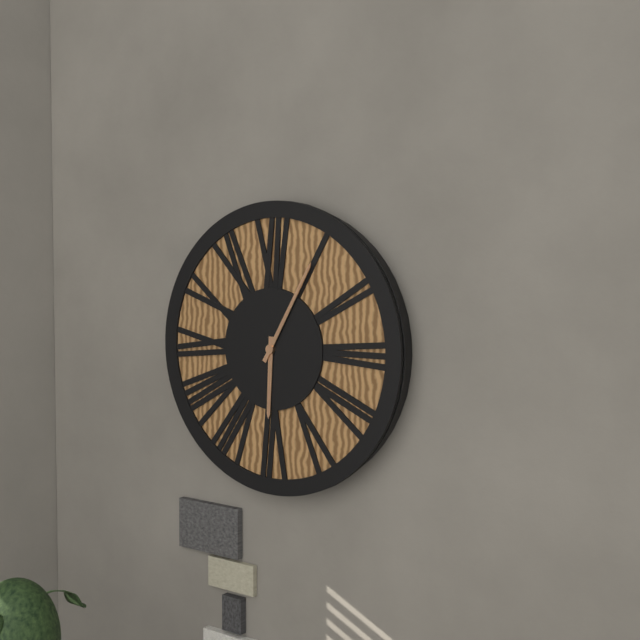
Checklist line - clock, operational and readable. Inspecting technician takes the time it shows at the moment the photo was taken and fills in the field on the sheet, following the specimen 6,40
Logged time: 6,05
